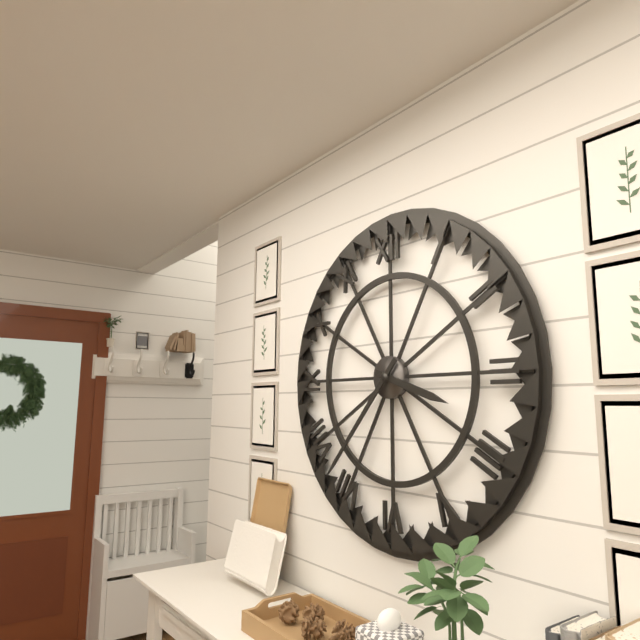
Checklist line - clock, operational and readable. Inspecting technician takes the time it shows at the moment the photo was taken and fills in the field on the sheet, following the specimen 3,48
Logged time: 3,37
